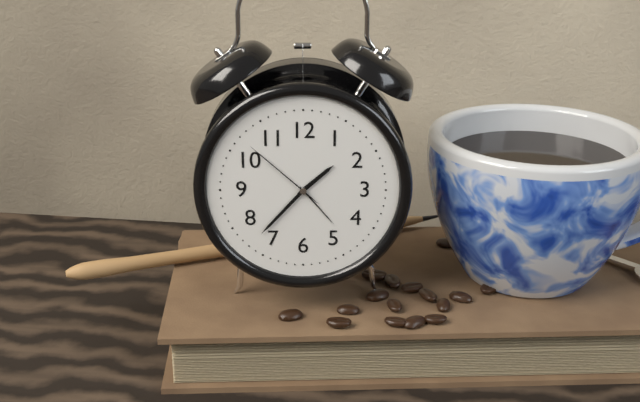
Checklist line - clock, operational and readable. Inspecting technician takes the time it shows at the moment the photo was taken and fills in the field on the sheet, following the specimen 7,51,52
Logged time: 1,37,52
